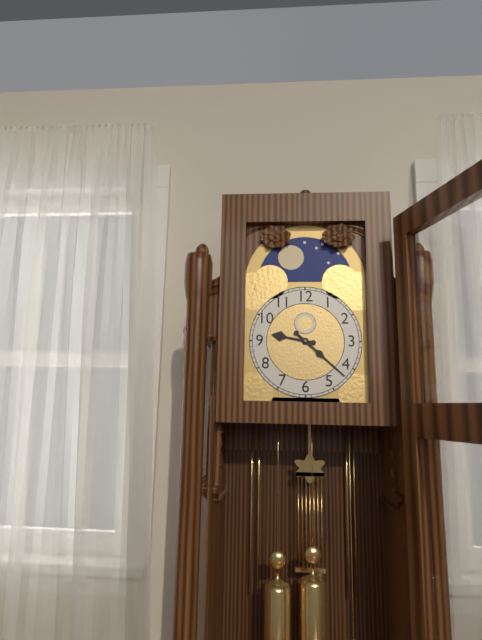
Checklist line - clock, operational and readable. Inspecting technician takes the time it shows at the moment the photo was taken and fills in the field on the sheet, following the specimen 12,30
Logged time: 9,22
